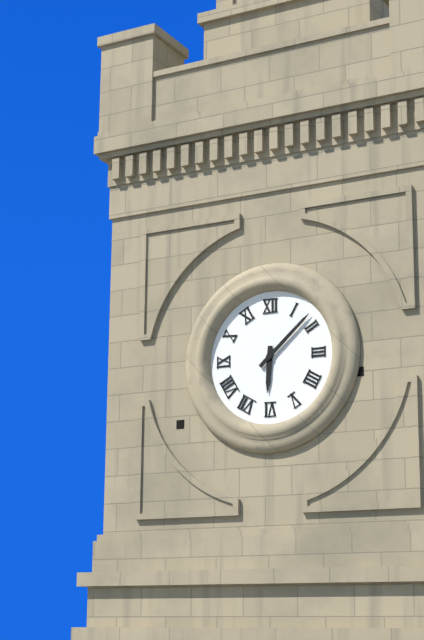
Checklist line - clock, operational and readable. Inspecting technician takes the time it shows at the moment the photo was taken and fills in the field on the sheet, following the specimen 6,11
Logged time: 6,08
